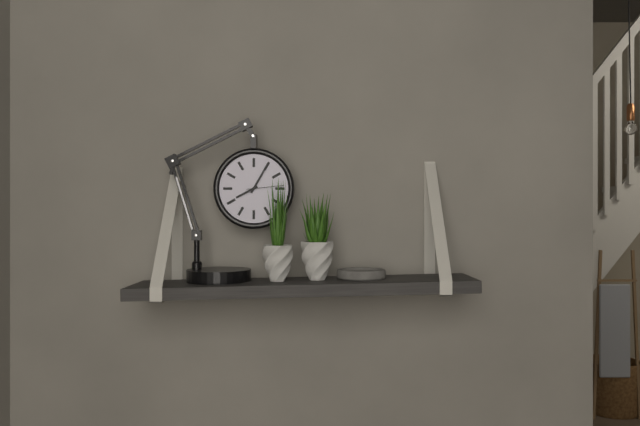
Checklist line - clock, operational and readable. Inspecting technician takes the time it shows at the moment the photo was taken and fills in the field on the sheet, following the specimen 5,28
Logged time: 8,05
